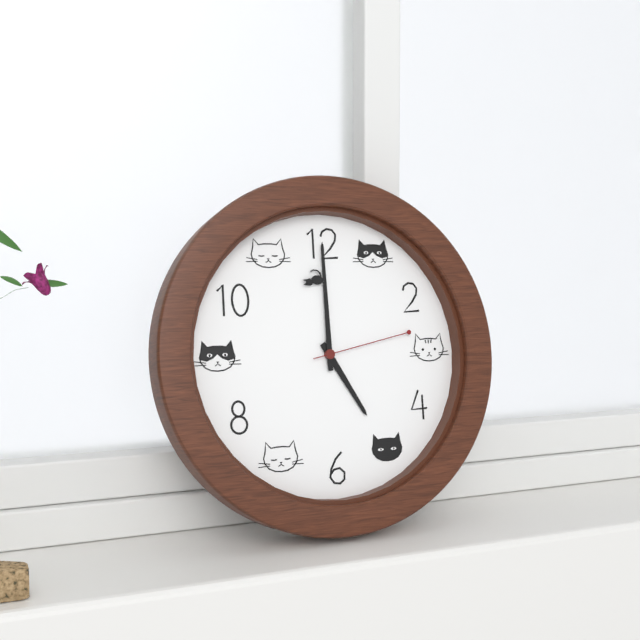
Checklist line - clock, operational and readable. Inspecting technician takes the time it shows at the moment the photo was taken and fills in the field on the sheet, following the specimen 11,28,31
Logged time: 5,00,13
